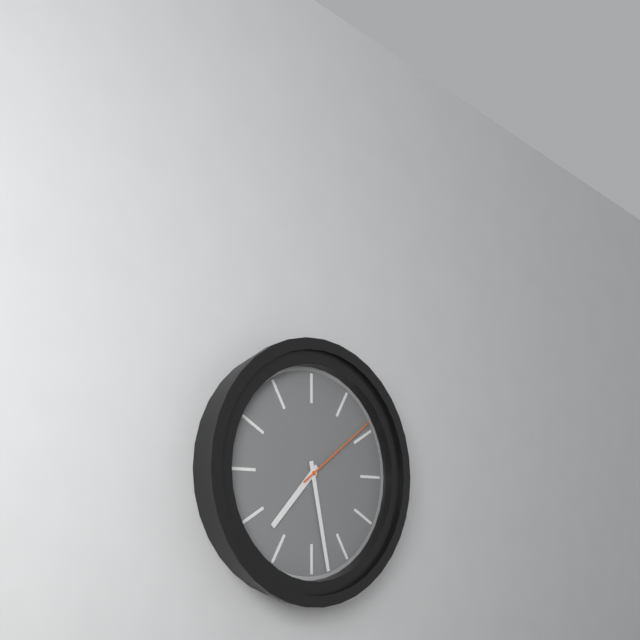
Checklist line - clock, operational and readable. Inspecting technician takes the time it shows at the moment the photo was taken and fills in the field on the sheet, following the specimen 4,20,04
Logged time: 7,28,09
